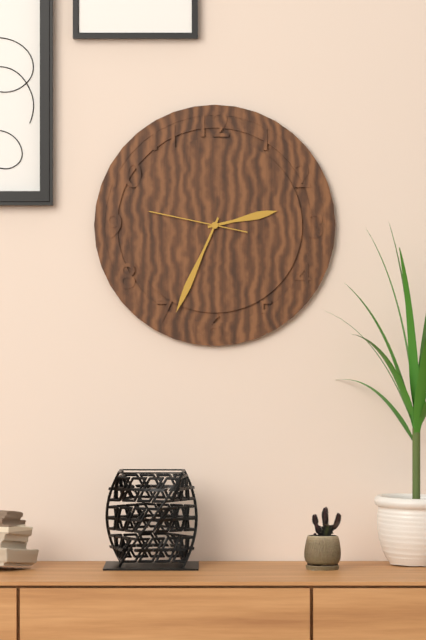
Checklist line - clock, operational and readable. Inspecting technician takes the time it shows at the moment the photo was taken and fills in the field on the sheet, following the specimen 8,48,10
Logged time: 2,34,47
